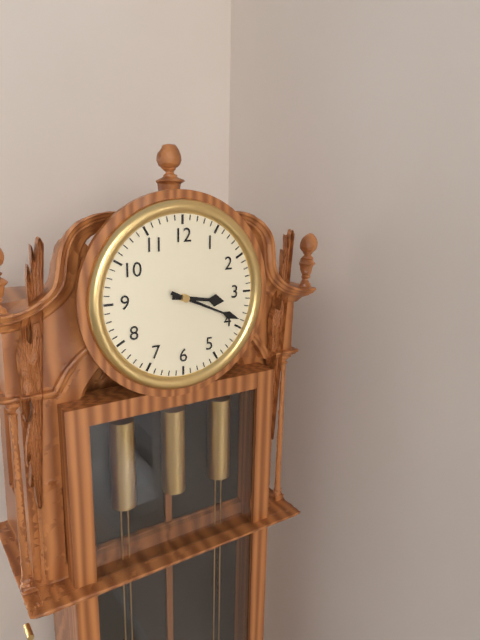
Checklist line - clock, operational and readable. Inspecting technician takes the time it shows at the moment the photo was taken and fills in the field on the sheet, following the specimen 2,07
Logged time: 3,19
